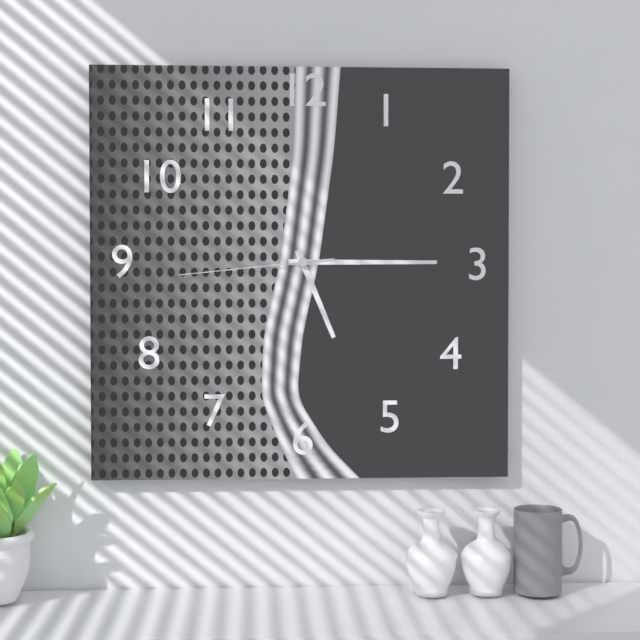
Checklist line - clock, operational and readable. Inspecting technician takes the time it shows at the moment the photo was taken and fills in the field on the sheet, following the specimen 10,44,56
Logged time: 5,15,44
